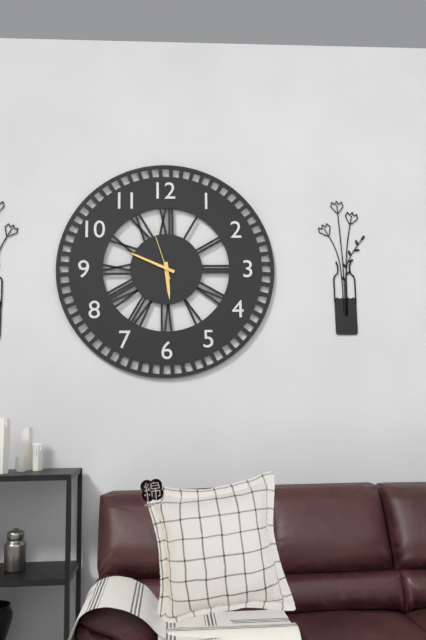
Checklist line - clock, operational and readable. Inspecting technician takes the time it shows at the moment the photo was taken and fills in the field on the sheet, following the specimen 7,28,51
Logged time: 5,49,57
